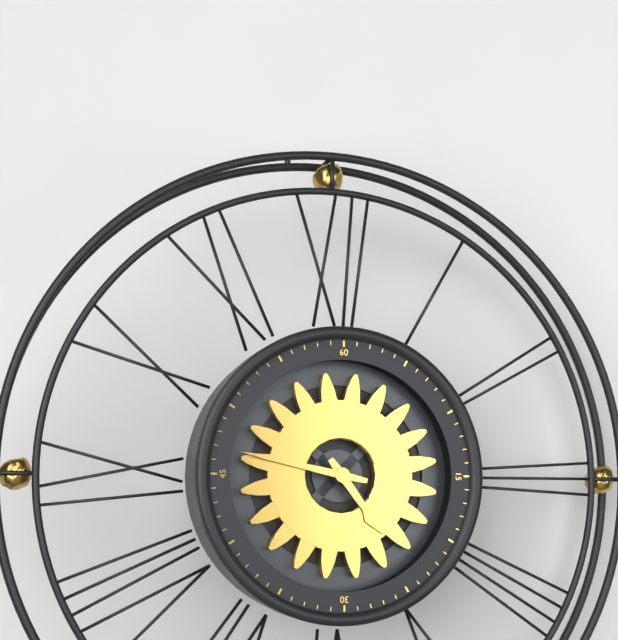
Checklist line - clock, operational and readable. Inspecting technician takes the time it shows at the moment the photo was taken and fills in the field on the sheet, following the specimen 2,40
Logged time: 4,47
